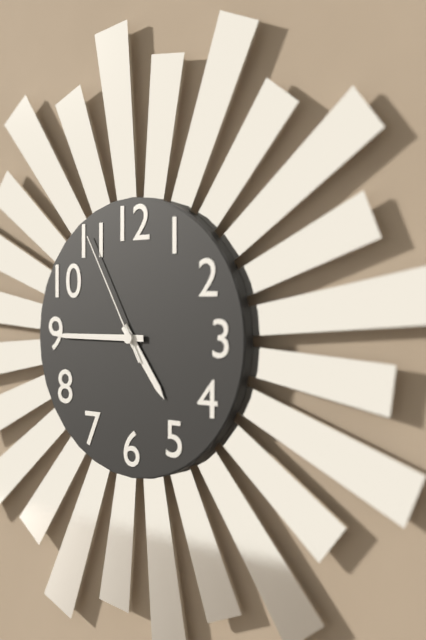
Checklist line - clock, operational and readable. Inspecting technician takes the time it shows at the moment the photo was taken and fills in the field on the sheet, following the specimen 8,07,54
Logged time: 4,45,55
